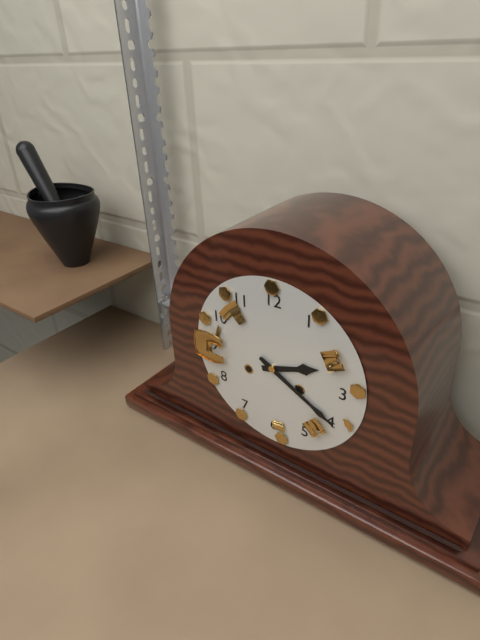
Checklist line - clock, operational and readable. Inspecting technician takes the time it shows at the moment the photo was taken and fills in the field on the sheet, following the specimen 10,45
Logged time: 2,20
